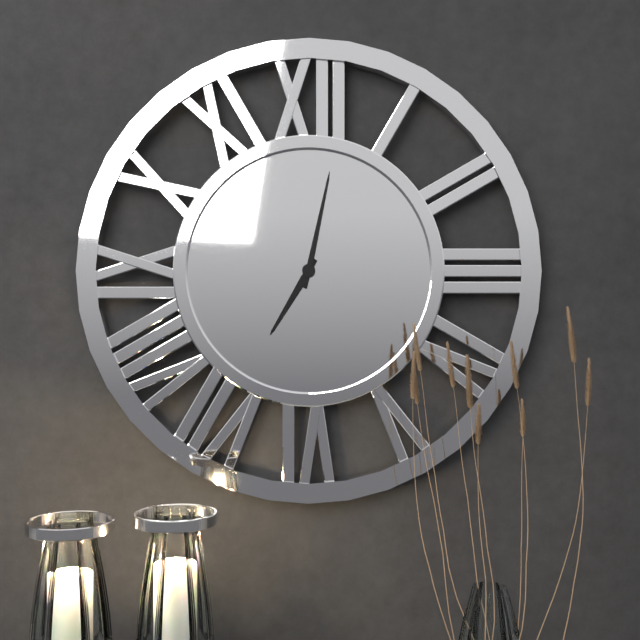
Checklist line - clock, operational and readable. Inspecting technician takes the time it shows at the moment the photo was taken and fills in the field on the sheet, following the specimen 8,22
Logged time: 7,02
